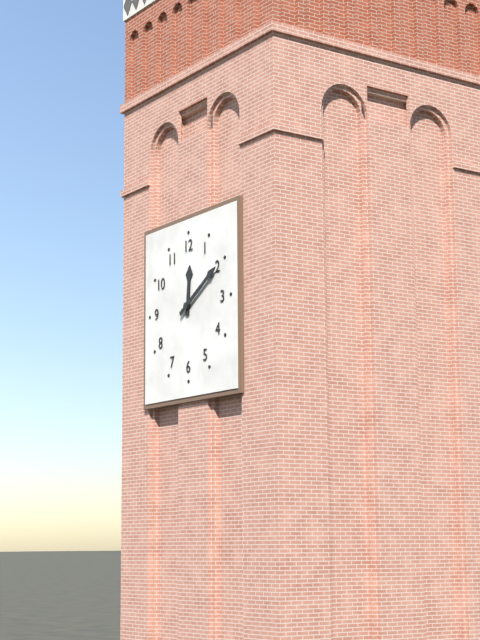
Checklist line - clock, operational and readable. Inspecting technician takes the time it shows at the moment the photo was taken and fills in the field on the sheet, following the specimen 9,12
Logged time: 12,10
